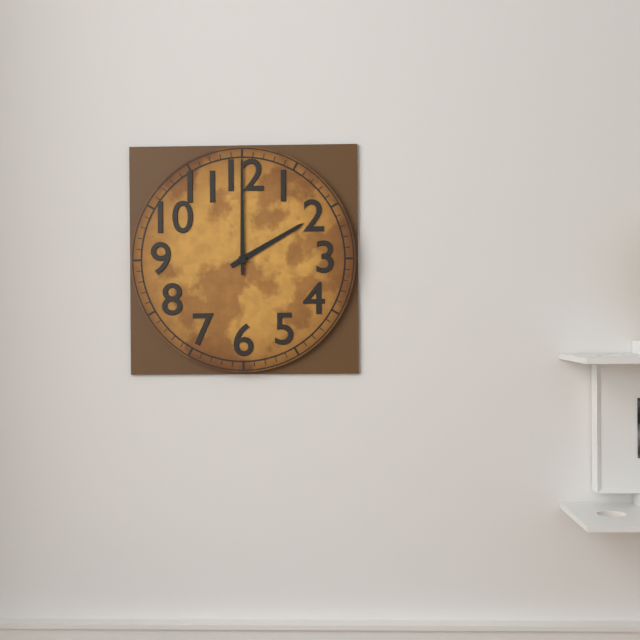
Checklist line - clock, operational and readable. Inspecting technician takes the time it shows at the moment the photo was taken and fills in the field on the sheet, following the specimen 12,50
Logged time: 2,00
